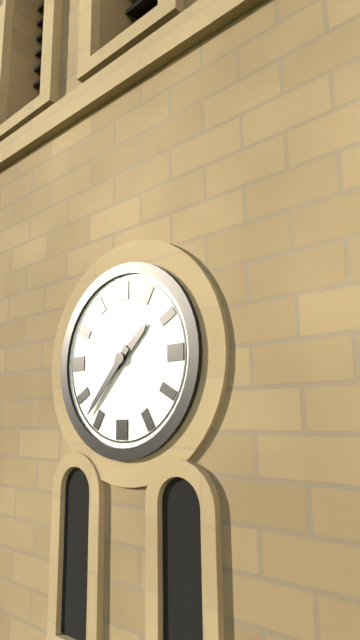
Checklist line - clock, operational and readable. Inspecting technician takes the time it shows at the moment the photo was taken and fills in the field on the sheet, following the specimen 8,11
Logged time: 1,37
